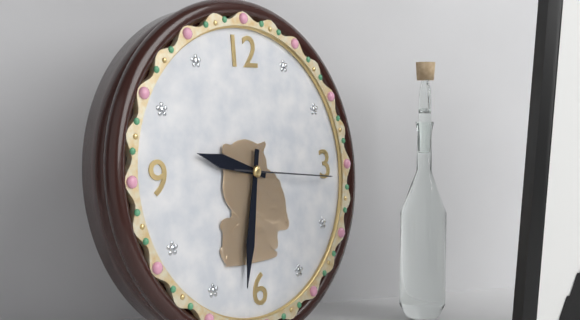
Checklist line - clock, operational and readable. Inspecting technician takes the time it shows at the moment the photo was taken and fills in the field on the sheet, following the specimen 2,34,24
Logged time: 9,32,16
